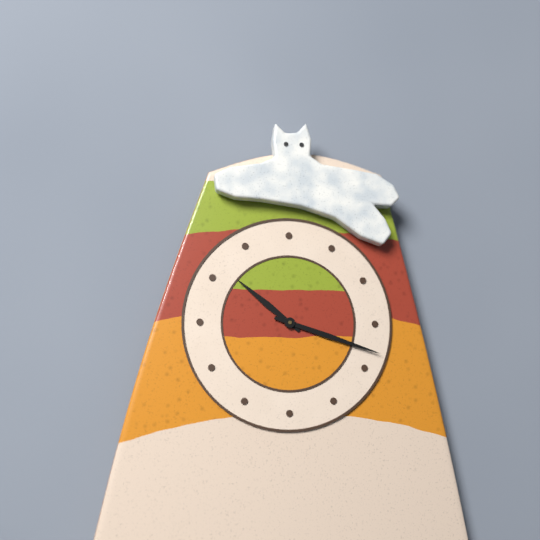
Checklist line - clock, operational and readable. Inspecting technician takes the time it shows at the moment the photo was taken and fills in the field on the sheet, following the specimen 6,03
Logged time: 10,18
